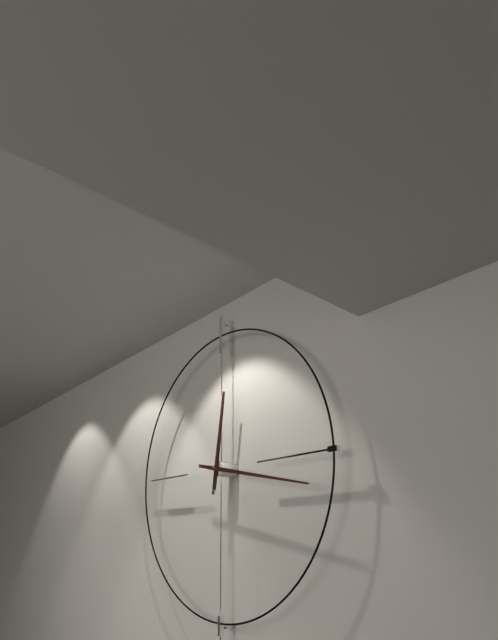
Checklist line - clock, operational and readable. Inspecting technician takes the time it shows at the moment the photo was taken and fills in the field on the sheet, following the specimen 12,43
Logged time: 12,17
